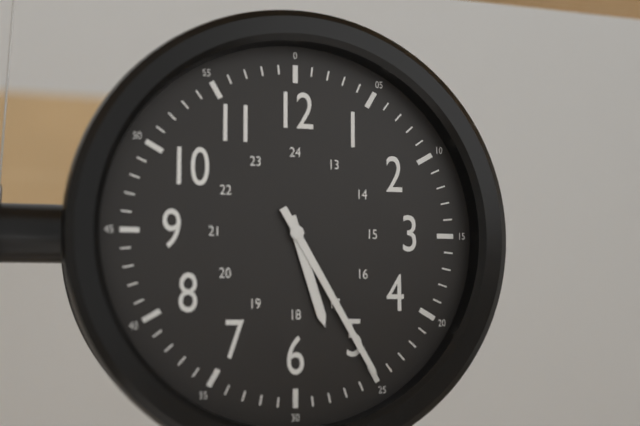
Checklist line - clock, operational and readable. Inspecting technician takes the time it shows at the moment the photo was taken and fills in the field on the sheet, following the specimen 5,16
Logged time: 5,25
